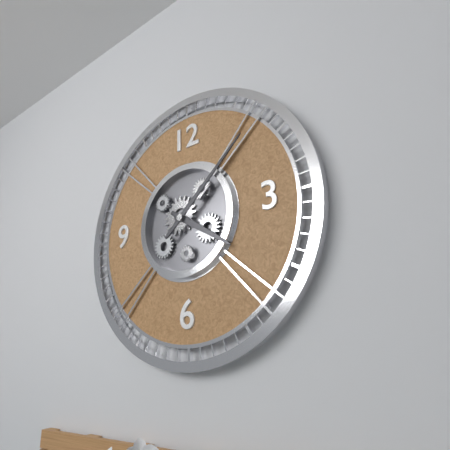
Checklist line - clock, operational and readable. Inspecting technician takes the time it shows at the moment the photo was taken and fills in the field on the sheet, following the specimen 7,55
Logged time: 4,08
